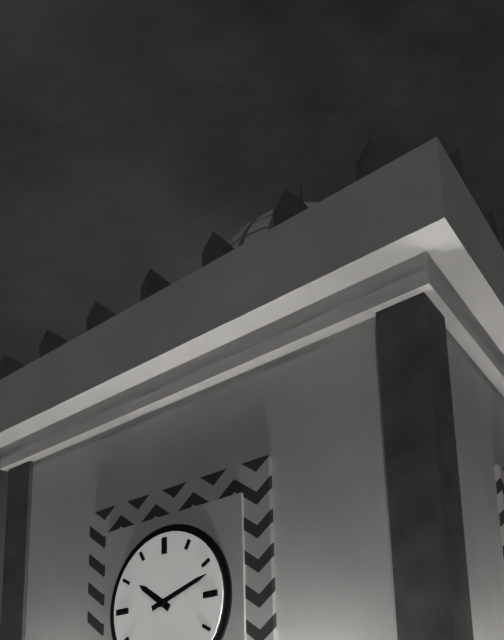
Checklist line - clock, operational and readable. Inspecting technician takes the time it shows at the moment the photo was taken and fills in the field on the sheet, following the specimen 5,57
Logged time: 10,12
